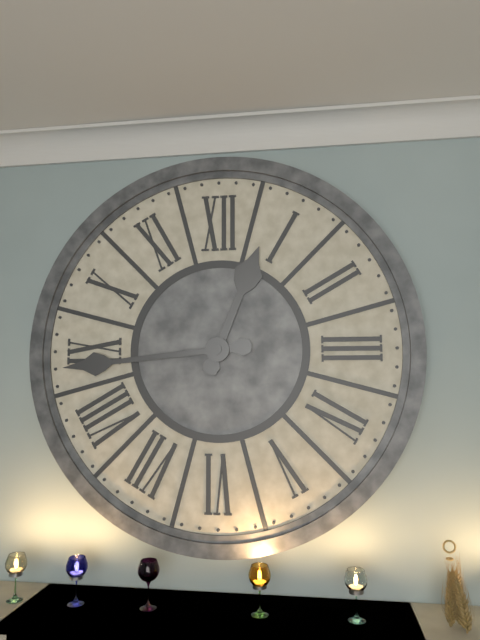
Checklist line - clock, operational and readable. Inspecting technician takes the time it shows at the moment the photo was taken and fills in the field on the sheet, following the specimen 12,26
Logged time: 12,44
